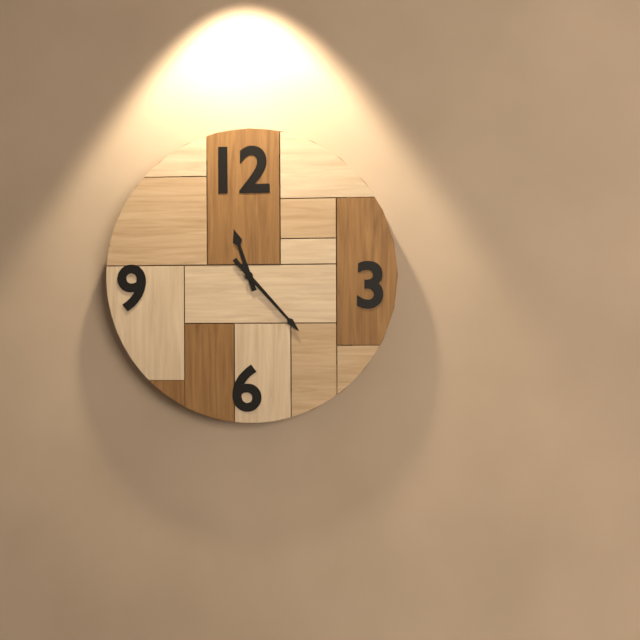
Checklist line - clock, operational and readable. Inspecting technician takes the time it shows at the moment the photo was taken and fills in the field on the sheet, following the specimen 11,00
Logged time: 11,23
